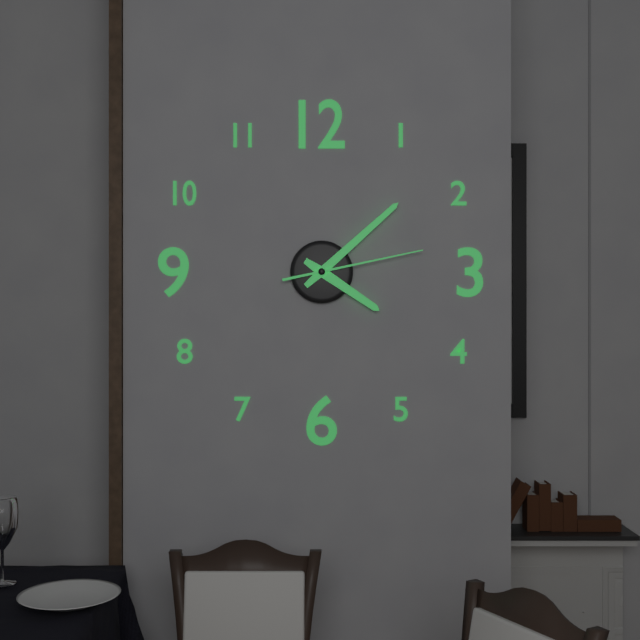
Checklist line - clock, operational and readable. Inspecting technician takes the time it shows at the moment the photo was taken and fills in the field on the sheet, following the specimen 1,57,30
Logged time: 4,08,13
